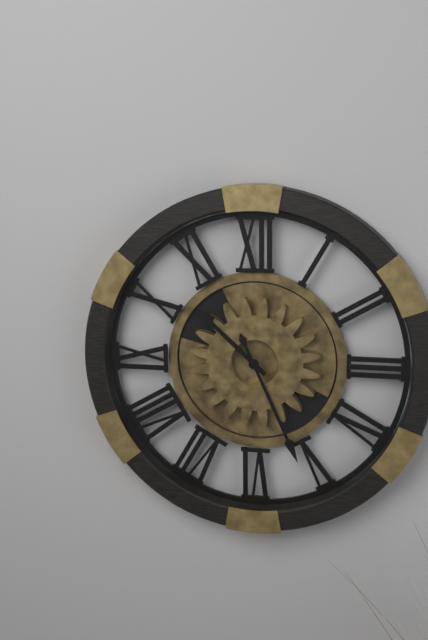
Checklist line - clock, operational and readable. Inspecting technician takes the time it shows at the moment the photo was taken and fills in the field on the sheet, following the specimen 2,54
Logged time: 10,26
